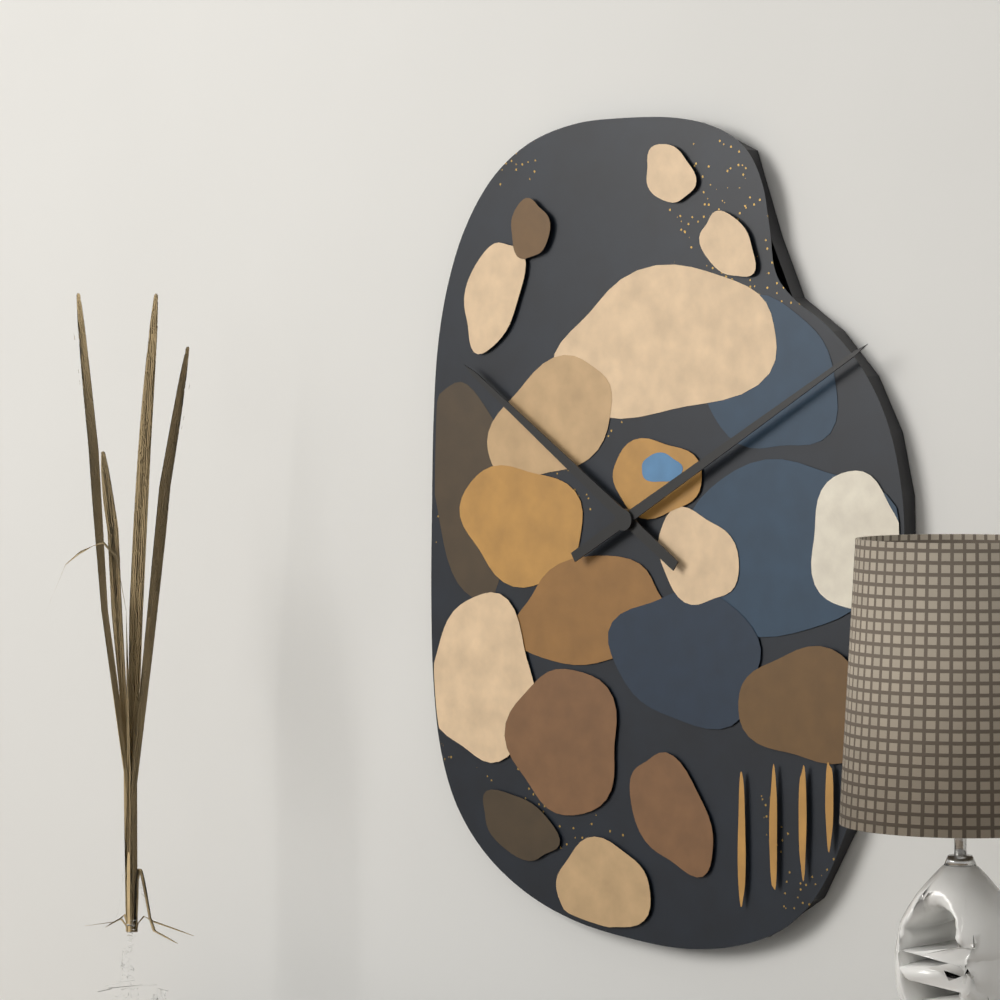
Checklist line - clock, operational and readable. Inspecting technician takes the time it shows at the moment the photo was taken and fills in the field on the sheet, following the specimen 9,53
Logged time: 10,10
